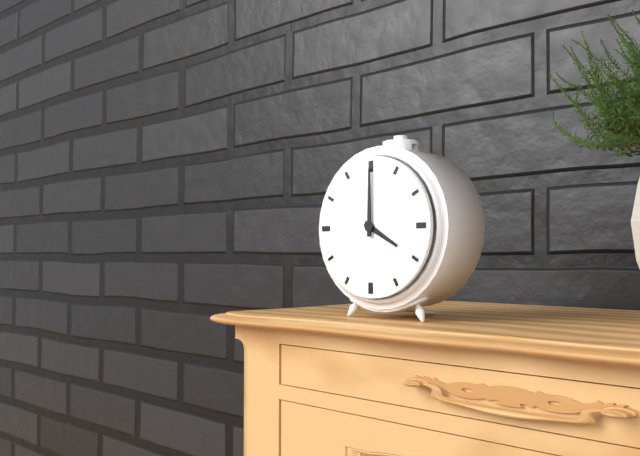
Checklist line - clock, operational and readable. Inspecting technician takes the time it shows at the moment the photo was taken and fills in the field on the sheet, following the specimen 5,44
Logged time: 4,00
